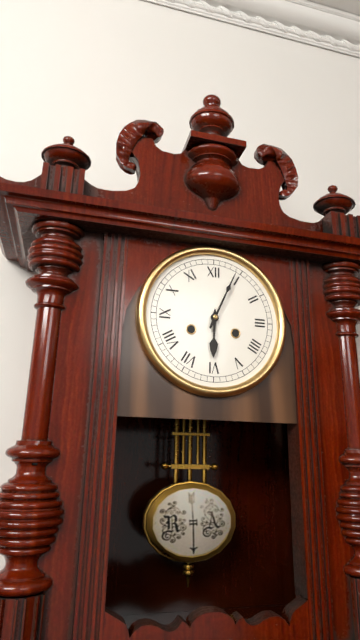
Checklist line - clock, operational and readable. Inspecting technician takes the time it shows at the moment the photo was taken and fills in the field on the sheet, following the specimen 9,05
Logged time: 6,04
